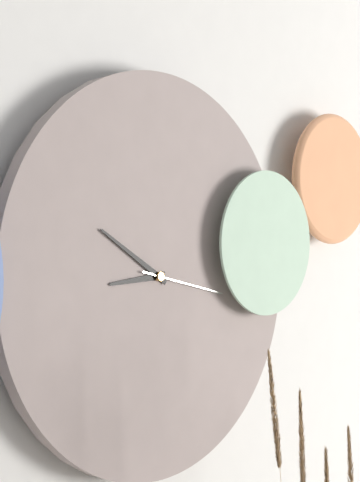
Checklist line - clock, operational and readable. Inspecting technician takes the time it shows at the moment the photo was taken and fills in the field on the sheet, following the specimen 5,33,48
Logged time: 8,50,17
